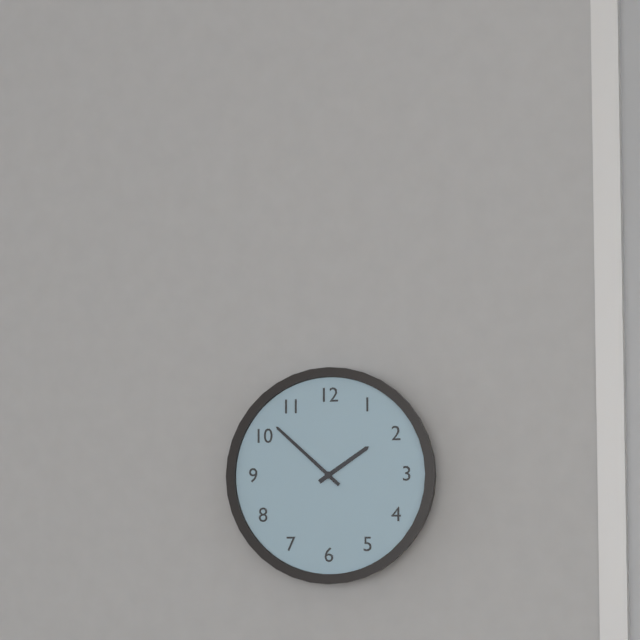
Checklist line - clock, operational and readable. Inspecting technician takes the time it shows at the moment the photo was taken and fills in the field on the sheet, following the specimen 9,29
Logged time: 1,52
